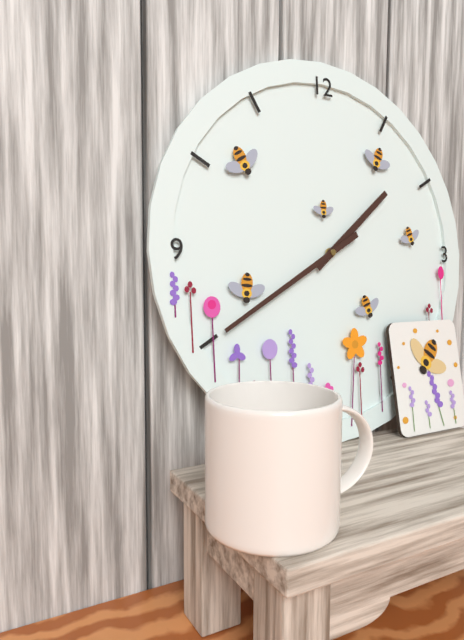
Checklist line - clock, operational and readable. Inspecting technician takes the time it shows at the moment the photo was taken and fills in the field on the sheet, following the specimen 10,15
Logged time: 1,40
